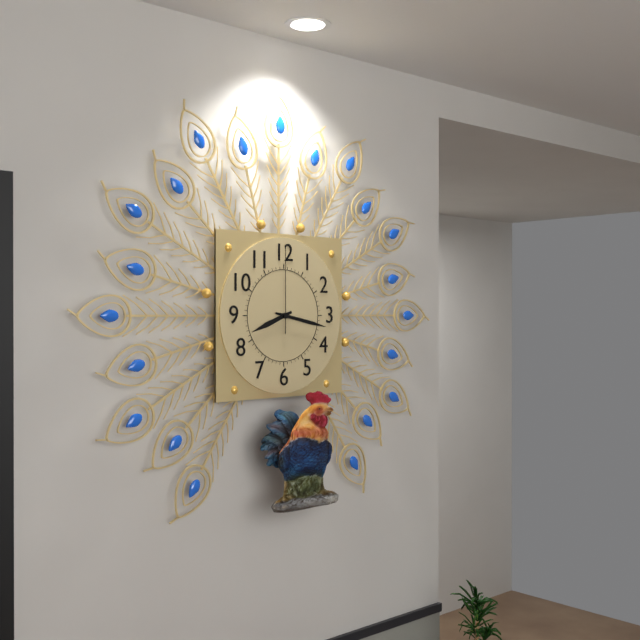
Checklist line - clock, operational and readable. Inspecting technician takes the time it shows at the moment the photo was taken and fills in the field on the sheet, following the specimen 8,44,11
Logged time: 8,17,00
